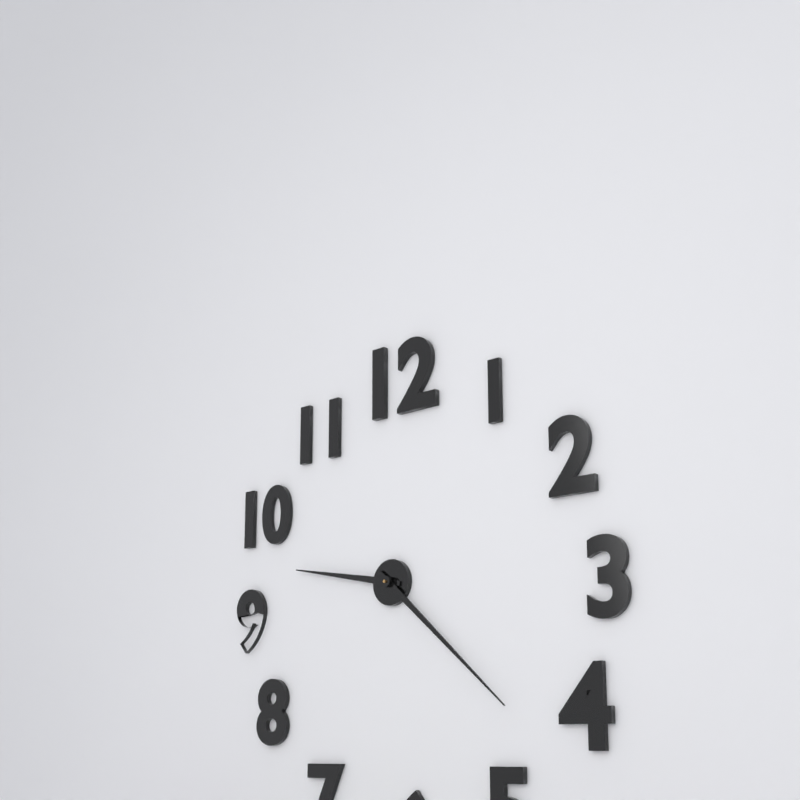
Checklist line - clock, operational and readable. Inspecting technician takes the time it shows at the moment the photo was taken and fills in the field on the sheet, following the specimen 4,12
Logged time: 9,22
